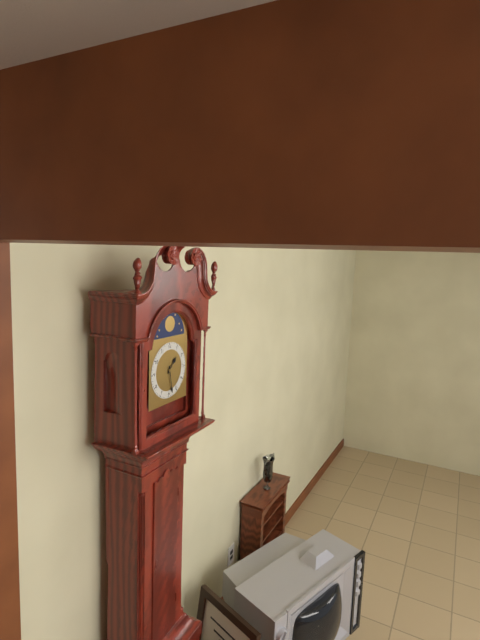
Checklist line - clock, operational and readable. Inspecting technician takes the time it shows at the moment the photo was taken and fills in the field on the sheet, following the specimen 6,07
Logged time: 1,28
